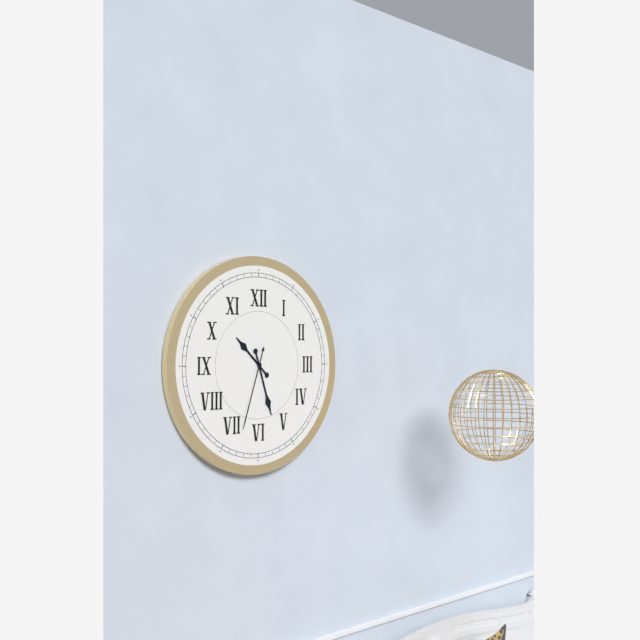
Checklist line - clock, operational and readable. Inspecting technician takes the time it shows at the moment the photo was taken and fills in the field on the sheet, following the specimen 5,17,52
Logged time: 10,27,33
